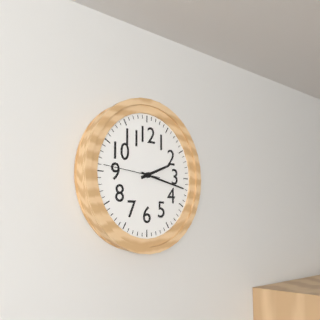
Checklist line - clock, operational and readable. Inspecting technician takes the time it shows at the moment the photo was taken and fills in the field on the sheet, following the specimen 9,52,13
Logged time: 2,17,46
